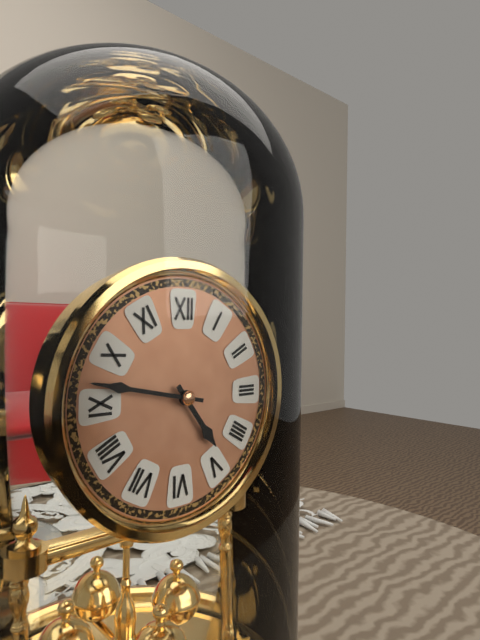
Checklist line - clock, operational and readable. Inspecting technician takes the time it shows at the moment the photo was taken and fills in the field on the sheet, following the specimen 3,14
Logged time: 4,47
